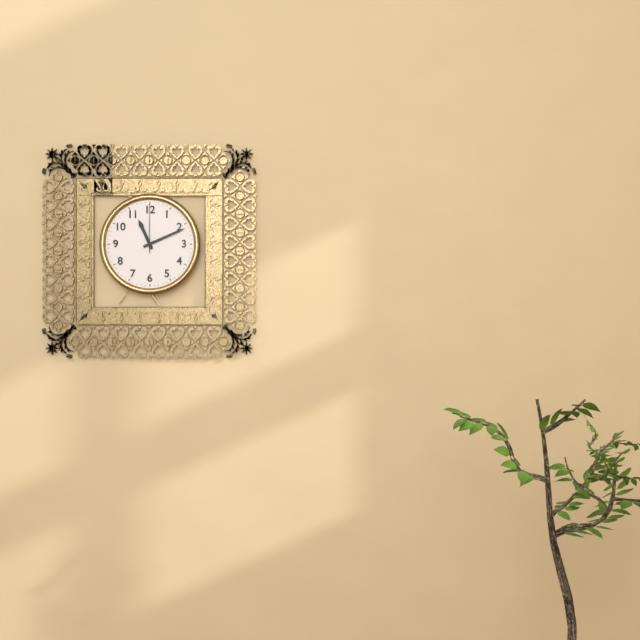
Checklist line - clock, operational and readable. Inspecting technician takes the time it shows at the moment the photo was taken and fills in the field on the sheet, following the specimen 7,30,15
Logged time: 11,11,00
